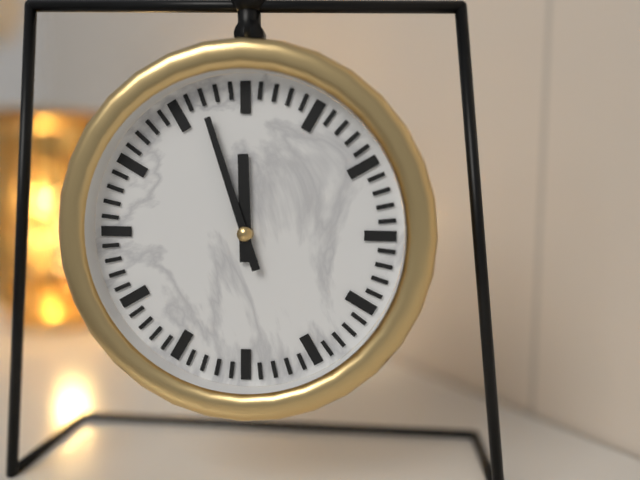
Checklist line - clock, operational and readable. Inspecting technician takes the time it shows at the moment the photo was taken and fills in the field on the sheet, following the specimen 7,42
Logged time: 11,57
